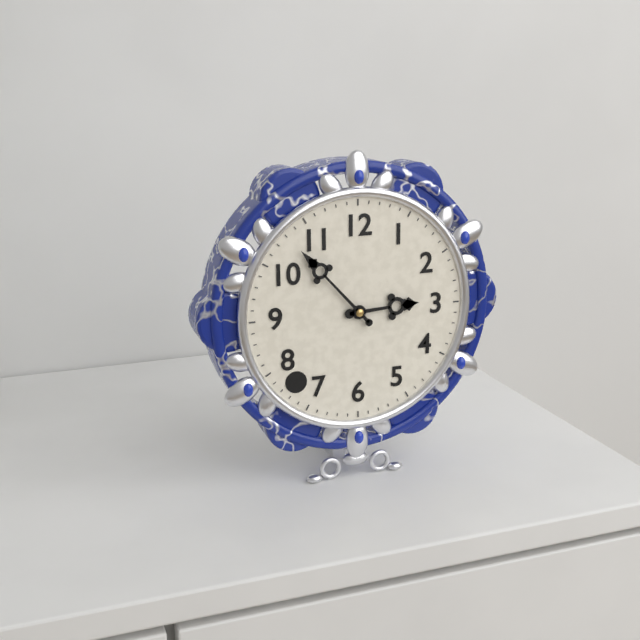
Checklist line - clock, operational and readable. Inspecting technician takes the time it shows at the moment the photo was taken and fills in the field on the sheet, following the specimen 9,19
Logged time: 2,53
